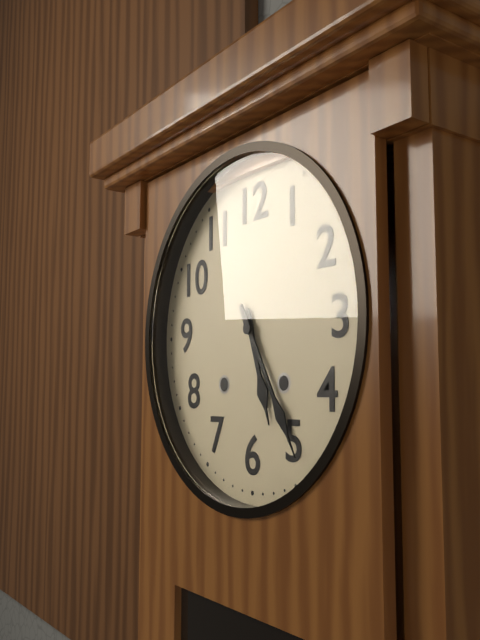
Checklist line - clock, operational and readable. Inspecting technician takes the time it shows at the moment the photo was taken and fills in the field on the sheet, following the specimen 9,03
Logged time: 5,25
